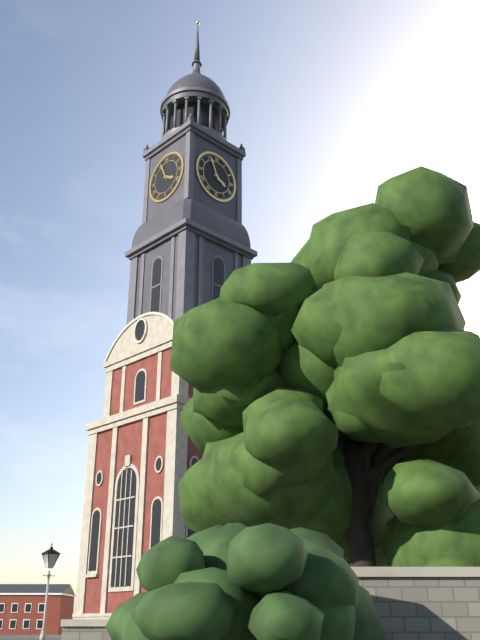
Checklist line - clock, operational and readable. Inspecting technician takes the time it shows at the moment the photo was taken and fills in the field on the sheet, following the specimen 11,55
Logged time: 3,56
